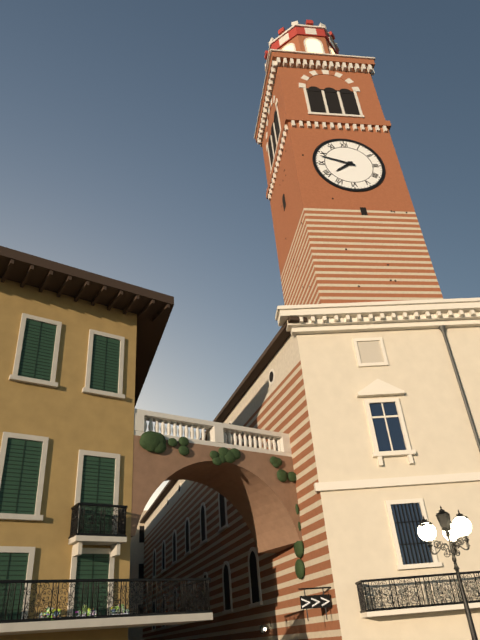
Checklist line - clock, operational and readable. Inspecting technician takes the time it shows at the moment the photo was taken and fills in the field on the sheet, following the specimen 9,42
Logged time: 7,48
